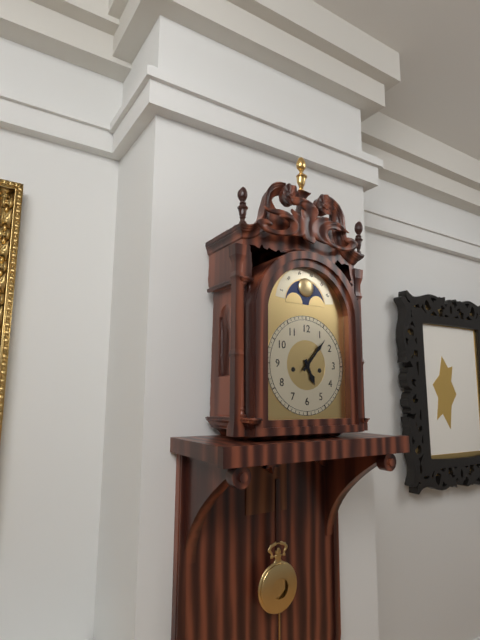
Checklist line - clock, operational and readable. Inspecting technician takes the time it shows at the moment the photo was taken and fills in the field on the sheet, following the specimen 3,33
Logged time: 5,07
